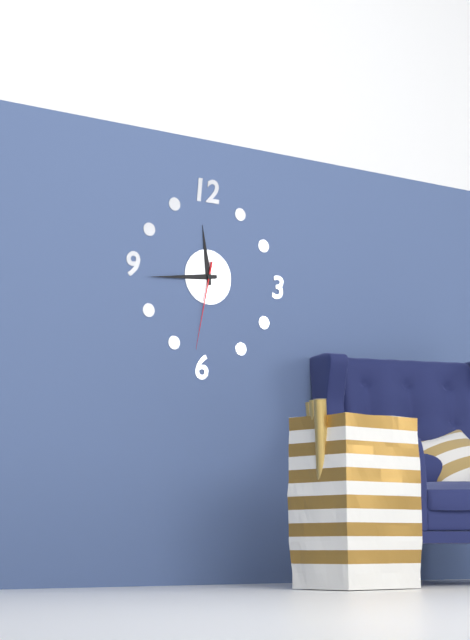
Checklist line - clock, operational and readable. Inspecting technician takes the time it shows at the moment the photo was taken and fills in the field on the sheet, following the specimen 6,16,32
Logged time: 11,44,32
